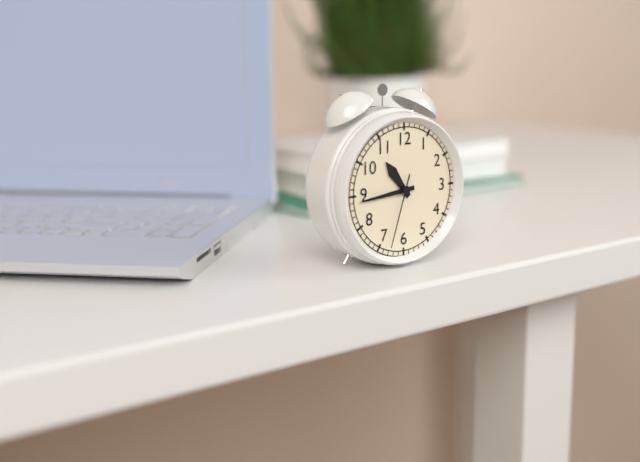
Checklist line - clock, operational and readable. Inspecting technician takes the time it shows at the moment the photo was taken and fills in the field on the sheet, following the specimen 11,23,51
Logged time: 10,44,33
